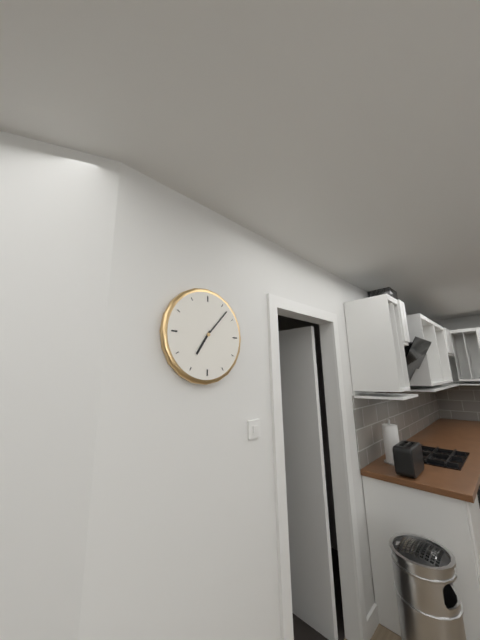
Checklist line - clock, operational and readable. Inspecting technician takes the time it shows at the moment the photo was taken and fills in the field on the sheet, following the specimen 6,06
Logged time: 7,07
